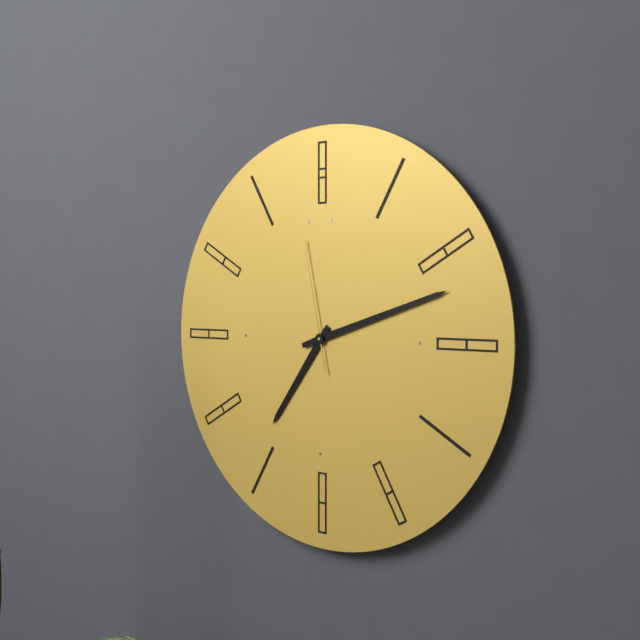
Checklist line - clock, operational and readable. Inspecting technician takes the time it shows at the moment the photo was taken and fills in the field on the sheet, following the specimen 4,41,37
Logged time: 7,12,58
